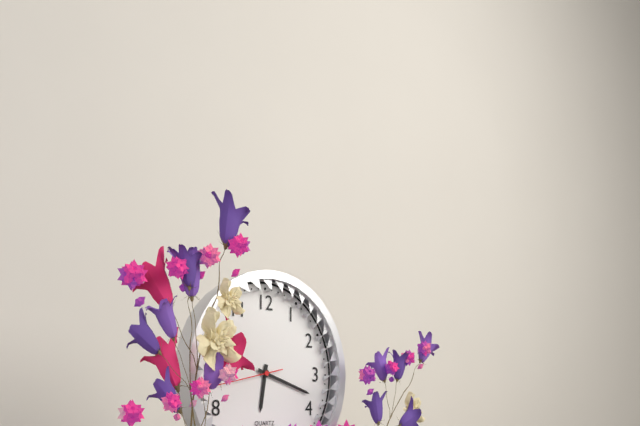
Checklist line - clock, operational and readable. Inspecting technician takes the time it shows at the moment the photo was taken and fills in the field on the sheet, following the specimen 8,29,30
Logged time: 6,18,43
